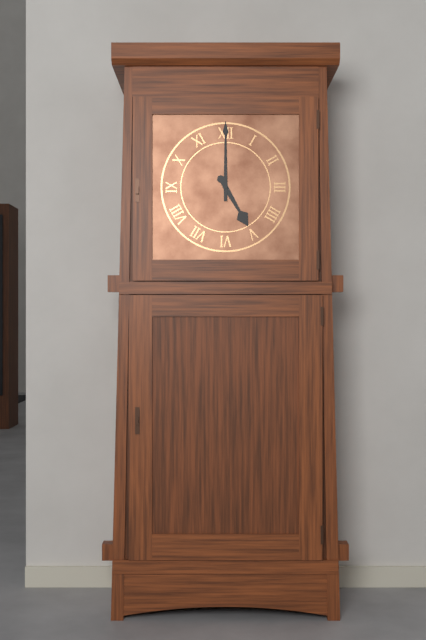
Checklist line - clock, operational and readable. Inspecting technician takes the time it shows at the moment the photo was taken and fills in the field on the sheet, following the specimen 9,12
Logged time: 5,00
